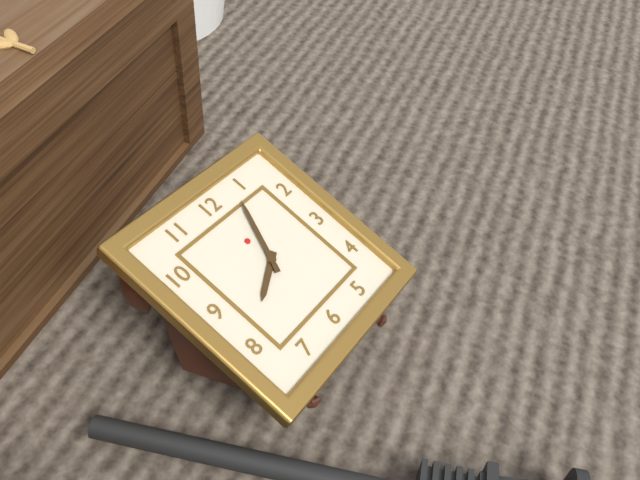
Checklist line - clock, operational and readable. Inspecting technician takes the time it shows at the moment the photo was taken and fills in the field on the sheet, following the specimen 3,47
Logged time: 8,04
